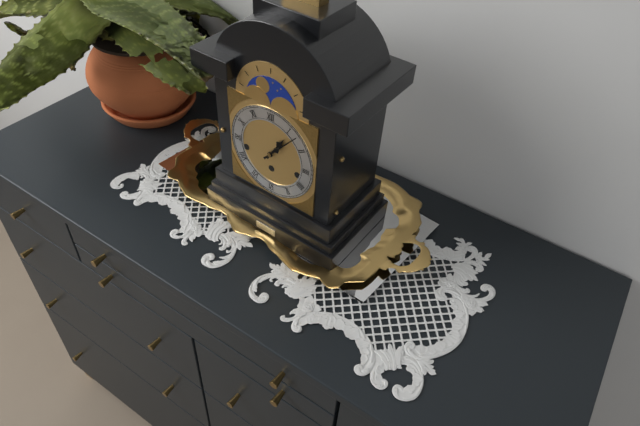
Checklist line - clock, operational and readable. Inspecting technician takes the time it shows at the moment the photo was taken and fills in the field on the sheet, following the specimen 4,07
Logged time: 1,07
